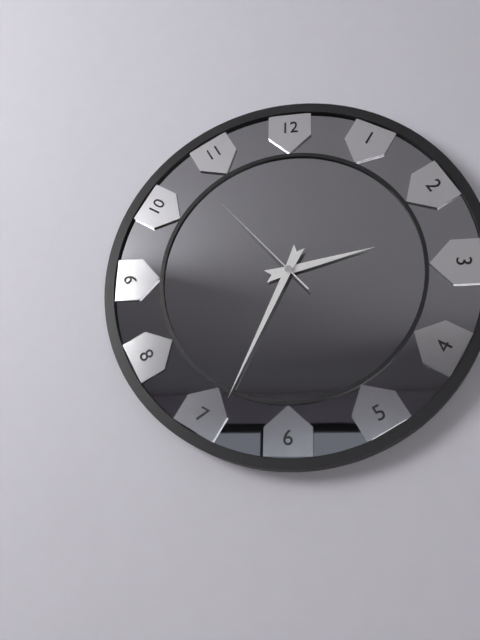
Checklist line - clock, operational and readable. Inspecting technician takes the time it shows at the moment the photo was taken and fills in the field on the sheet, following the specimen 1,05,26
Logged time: 2,34,53
